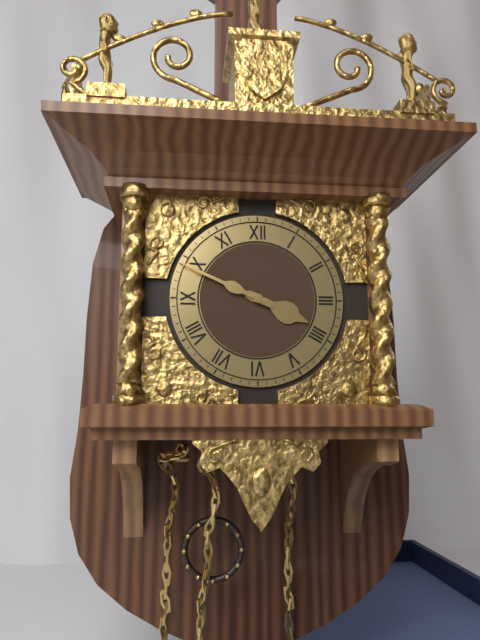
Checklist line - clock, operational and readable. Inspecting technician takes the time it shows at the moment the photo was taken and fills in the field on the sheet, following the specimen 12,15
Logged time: 3,49
